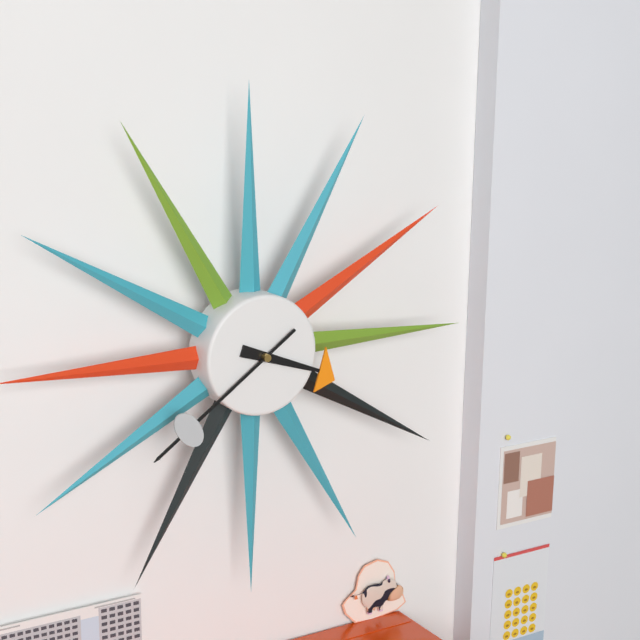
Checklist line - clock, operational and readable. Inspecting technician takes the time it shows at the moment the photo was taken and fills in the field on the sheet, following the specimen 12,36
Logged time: 3,39
